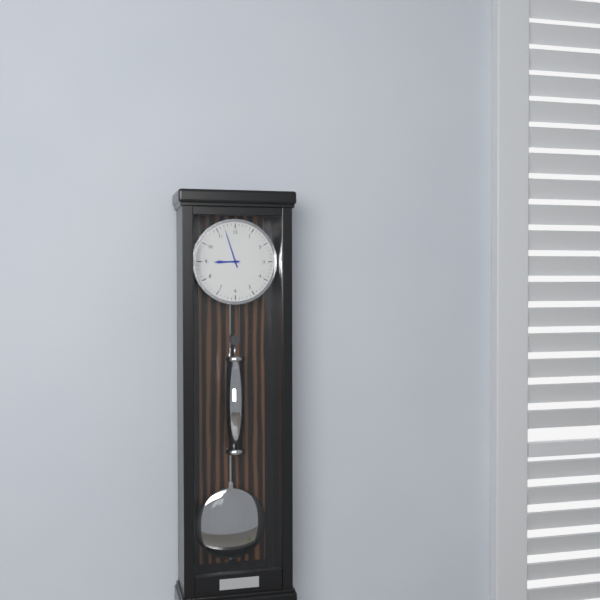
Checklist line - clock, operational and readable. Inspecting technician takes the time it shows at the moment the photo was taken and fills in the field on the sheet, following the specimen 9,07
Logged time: 8,57
